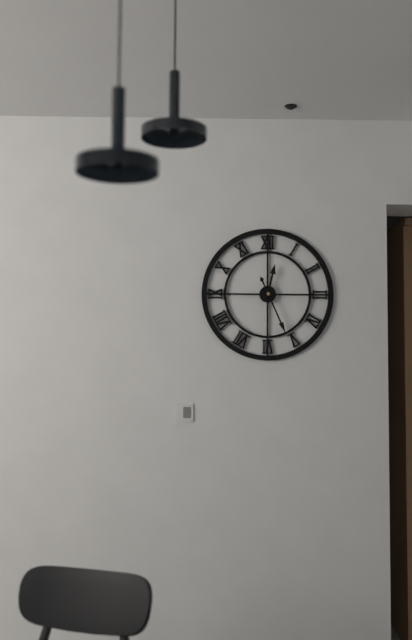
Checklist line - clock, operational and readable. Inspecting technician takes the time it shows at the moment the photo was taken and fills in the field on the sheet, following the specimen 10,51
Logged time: 12,26
